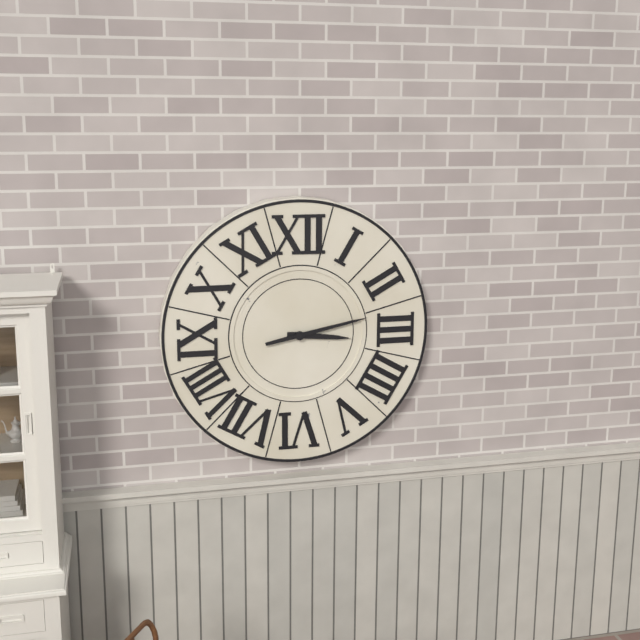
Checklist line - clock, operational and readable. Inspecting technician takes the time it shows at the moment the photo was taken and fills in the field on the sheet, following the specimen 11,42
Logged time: 3,13
